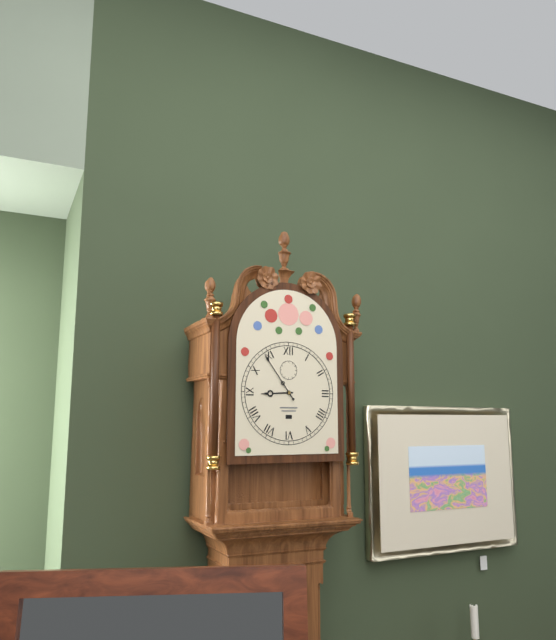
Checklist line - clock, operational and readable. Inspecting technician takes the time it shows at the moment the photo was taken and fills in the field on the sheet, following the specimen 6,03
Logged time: 8,54
